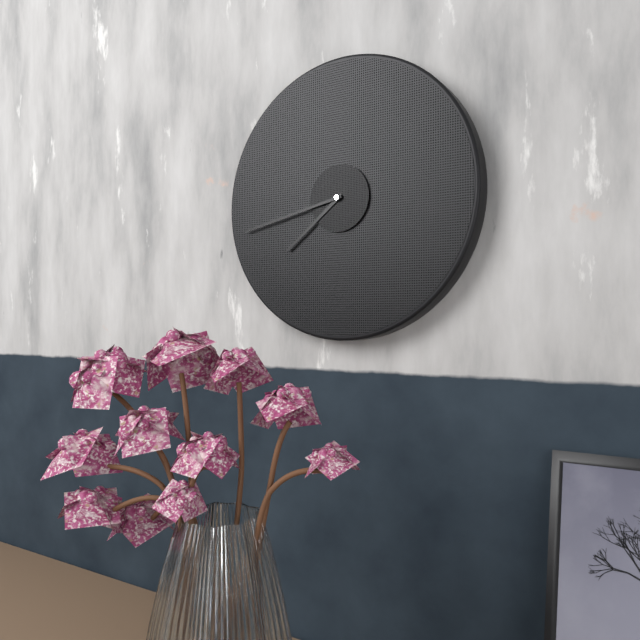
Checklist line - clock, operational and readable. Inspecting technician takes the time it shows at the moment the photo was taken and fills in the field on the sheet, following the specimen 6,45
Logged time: 7,43
